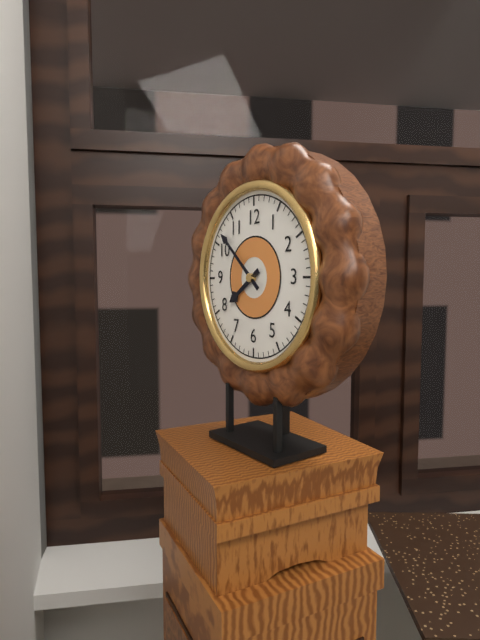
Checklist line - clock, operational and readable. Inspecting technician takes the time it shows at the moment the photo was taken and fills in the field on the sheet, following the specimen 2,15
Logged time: 7,52
